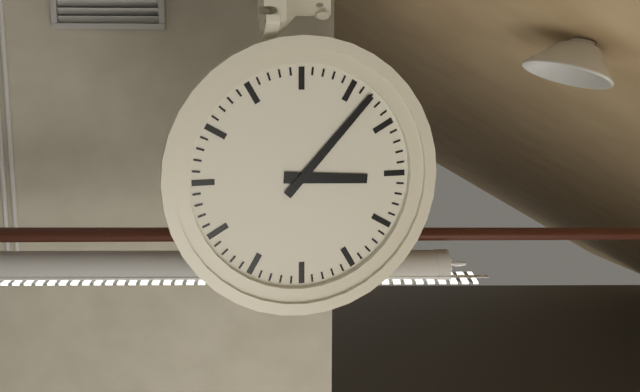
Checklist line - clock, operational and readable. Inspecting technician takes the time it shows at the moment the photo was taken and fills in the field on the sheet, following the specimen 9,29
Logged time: 3,07
